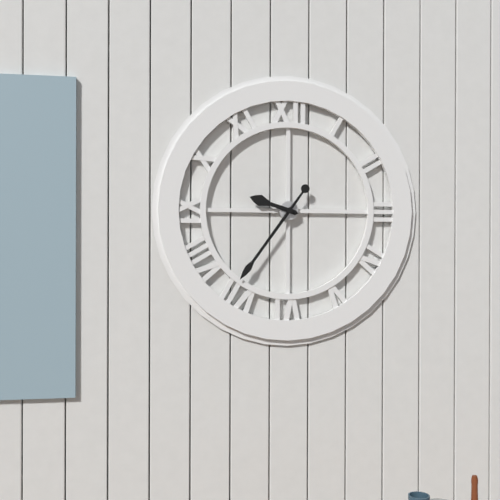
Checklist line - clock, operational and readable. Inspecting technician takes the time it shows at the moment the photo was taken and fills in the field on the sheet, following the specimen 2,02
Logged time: 9,36
